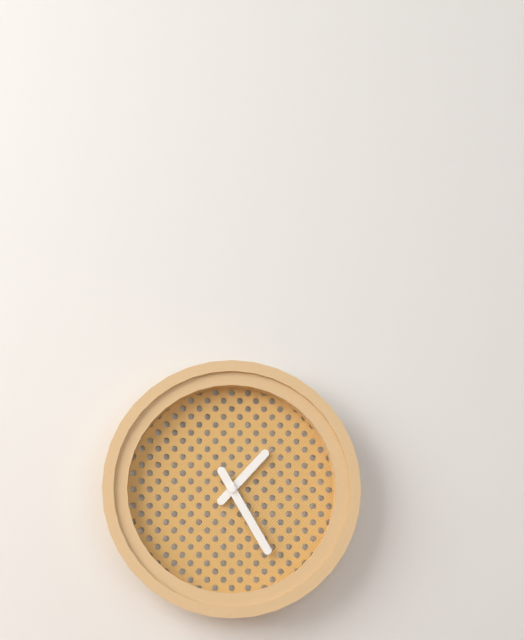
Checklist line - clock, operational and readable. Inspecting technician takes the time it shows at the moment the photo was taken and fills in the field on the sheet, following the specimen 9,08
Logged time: 1,25
